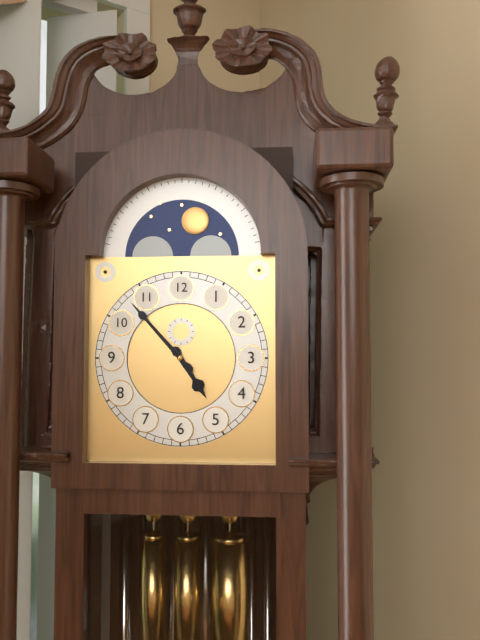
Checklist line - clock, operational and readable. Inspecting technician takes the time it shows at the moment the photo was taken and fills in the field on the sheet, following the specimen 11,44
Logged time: 4,53
